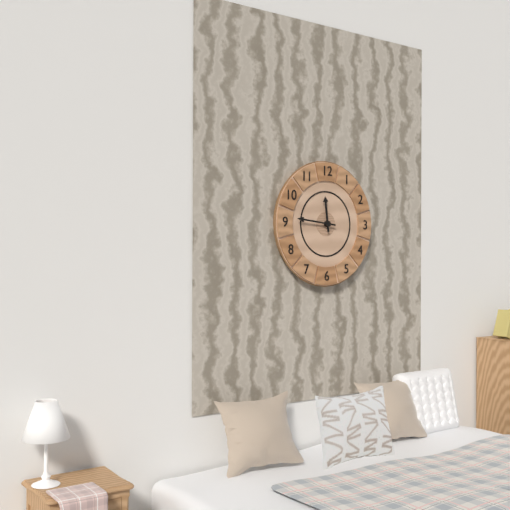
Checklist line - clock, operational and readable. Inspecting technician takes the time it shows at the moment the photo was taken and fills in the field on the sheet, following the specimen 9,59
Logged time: 11,46
